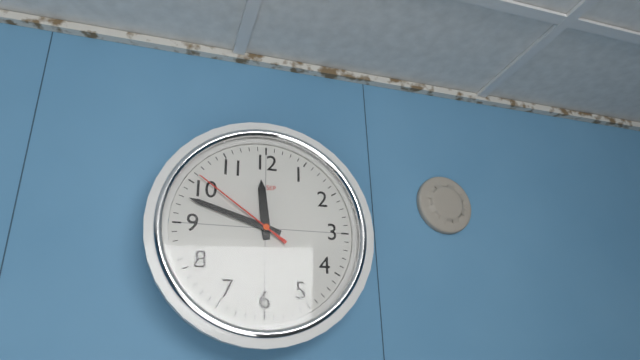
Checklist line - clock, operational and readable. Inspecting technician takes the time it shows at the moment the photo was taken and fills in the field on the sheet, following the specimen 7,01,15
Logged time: 11,48,51
